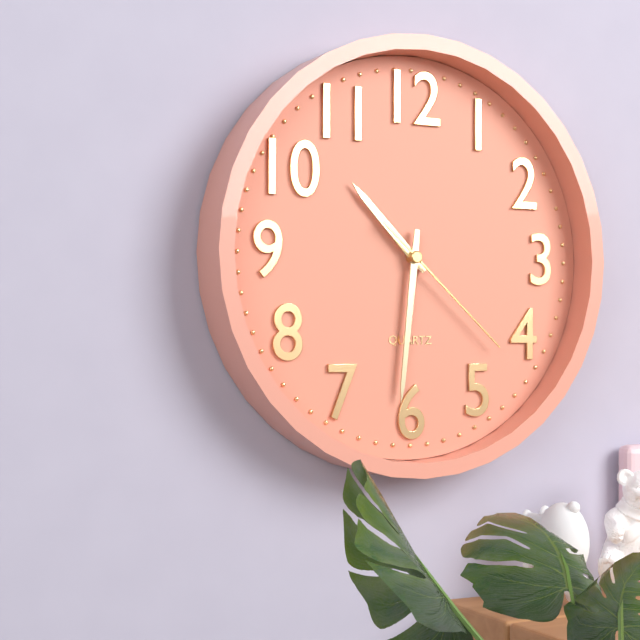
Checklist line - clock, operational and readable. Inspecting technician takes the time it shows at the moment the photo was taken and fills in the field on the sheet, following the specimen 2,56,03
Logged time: 10,31,22
